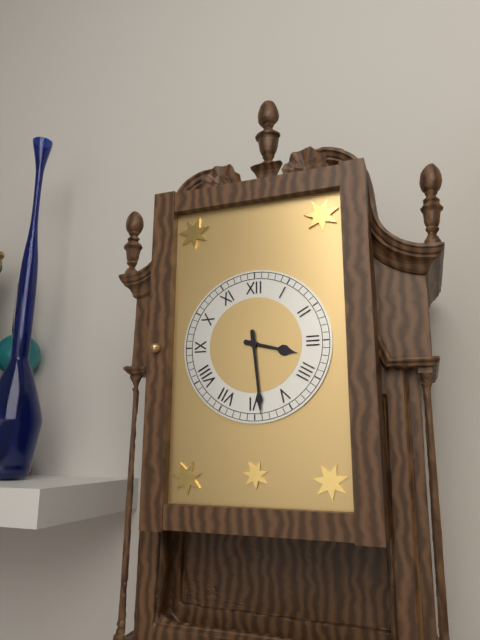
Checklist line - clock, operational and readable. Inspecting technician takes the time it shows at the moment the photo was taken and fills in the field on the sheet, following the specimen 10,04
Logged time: 3,29
